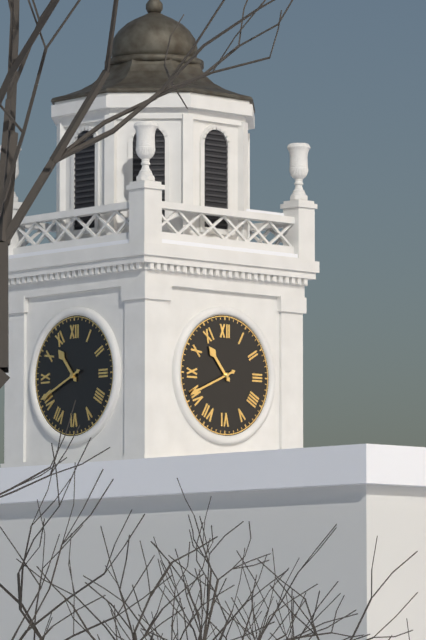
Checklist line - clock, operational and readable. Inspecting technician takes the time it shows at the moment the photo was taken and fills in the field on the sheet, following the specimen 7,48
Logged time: 10,41
